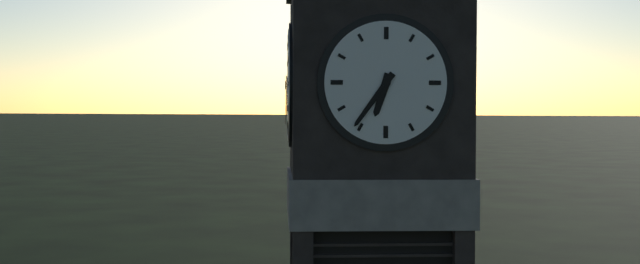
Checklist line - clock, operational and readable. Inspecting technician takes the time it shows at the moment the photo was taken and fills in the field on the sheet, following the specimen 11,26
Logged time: 6,36
